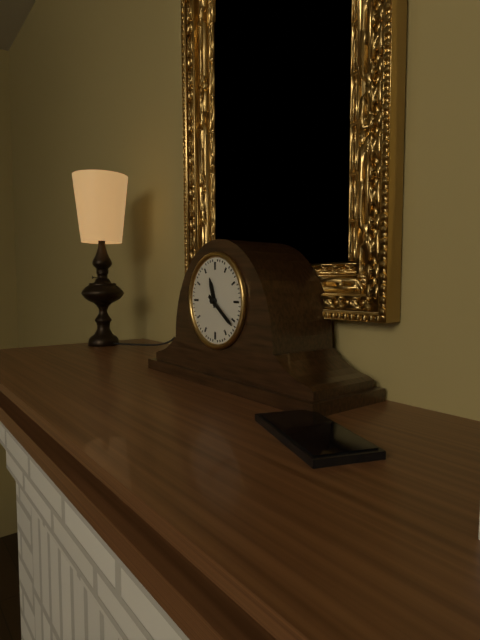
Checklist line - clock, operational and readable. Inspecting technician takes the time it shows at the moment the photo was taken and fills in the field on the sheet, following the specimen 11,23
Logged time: 11,21
